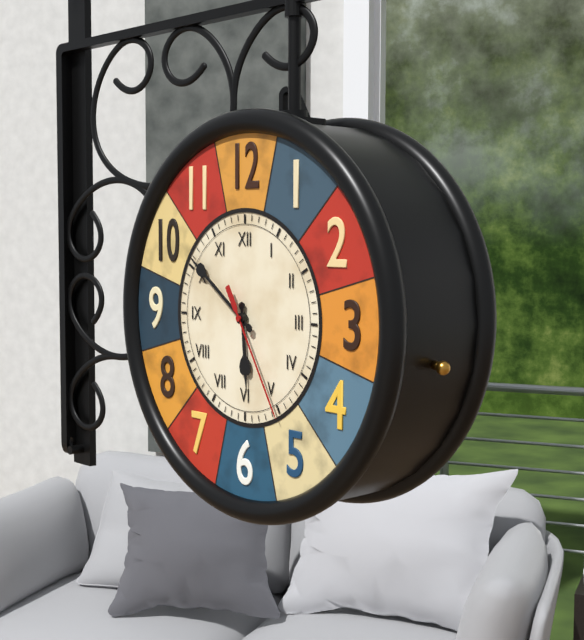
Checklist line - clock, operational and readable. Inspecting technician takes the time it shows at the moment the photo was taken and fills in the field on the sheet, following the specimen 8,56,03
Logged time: 5,51,25
